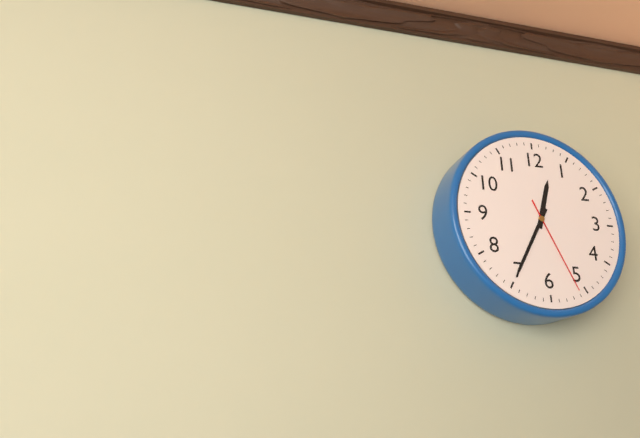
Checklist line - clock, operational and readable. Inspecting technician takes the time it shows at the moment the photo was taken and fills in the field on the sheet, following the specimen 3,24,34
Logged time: 12,35,26
